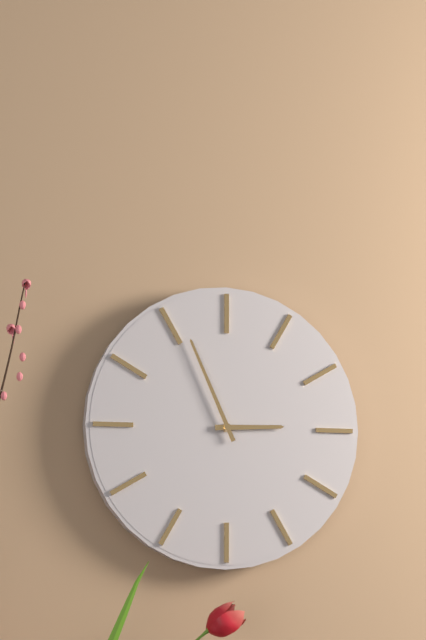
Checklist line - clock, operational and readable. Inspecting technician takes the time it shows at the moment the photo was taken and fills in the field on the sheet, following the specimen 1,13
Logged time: 2,56
